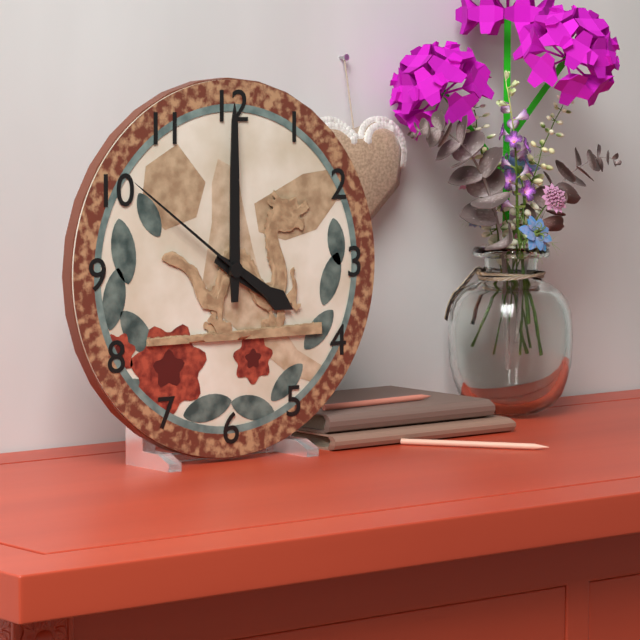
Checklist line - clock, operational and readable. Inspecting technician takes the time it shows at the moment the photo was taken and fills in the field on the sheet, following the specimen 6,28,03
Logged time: 4,00,51
